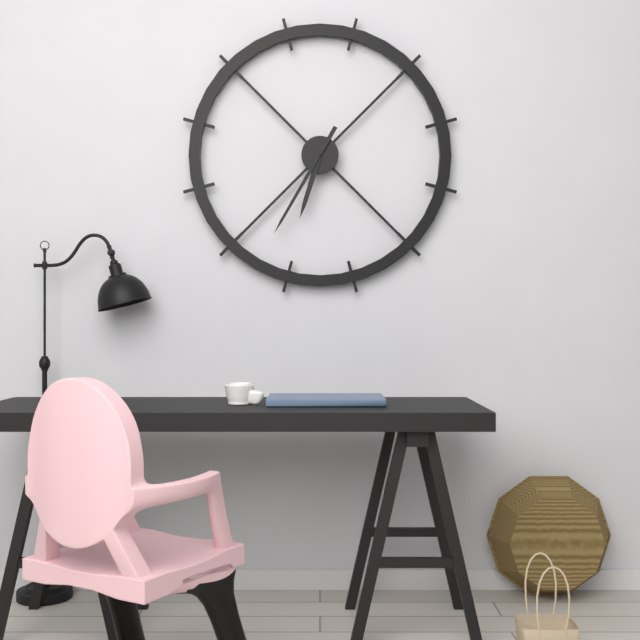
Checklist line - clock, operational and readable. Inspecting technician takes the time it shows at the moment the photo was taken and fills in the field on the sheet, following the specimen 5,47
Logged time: 6,35
